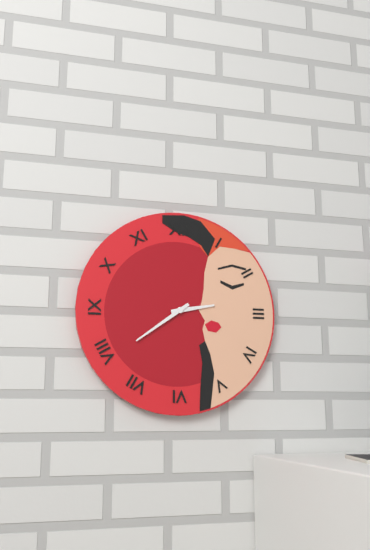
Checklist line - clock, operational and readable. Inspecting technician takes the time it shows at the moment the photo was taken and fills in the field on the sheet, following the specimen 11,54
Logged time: 2,39
